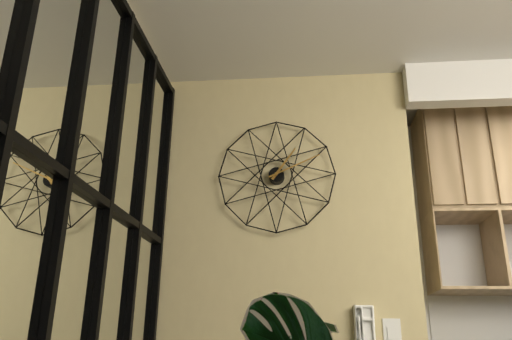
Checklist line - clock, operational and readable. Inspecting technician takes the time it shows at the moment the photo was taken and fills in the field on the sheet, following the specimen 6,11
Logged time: 1,11
